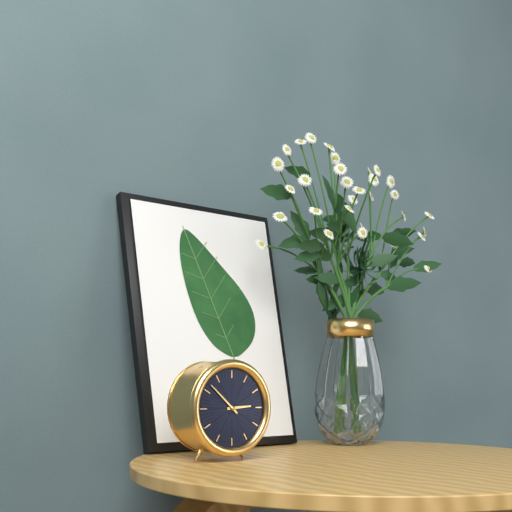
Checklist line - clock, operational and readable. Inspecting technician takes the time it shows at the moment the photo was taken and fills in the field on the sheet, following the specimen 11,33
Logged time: 2,52
